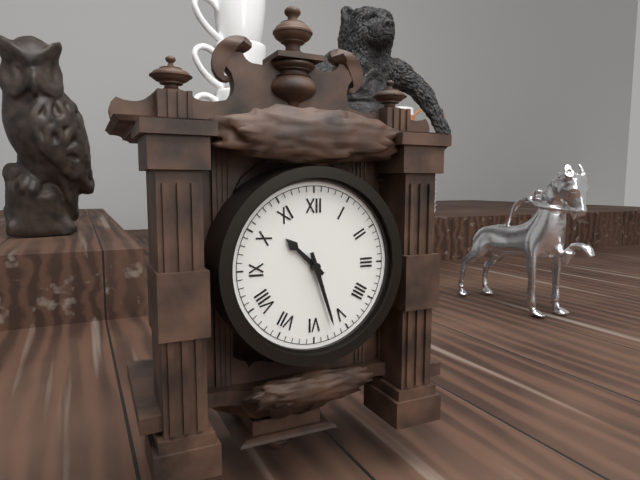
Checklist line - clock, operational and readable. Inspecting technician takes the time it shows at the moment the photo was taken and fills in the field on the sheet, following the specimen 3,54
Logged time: 10,27
